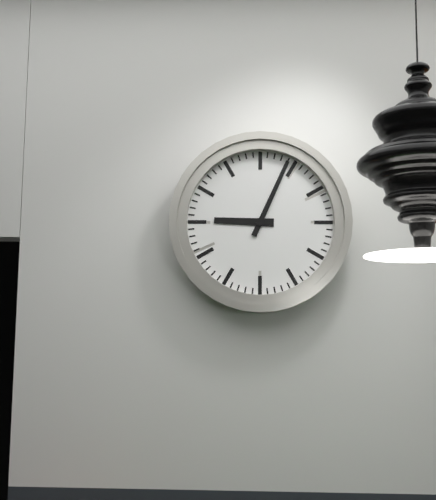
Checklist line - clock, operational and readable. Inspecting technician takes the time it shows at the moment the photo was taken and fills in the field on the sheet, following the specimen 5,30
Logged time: 9,04
